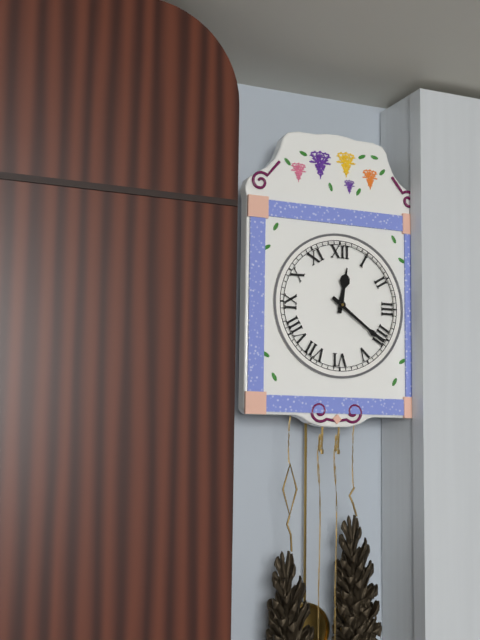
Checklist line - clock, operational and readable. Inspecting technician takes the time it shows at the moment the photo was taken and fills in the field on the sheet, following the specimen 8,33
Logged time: 12,21
